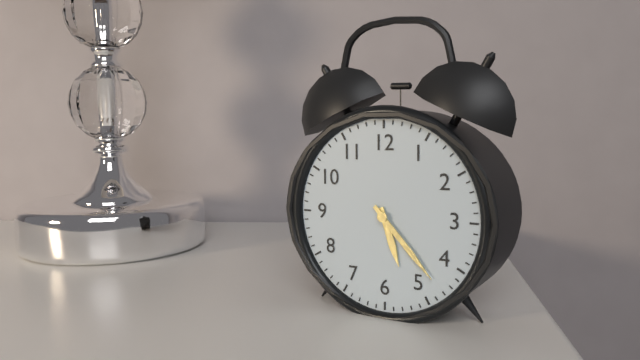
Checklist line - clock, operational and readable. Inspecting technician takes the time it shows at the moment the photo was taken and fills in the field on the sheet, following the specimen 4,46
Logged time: 5,23
